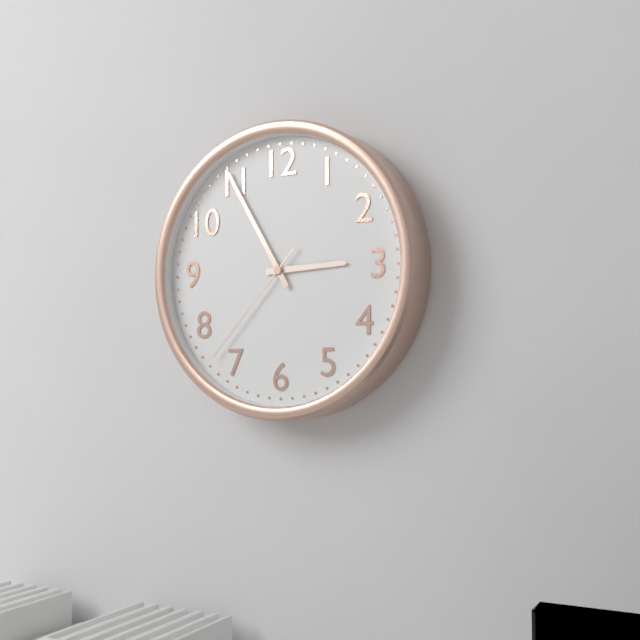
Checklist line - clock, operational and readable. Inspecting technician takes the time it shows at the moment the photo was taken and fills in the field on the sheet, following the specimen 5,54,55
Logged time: 2,55,37
